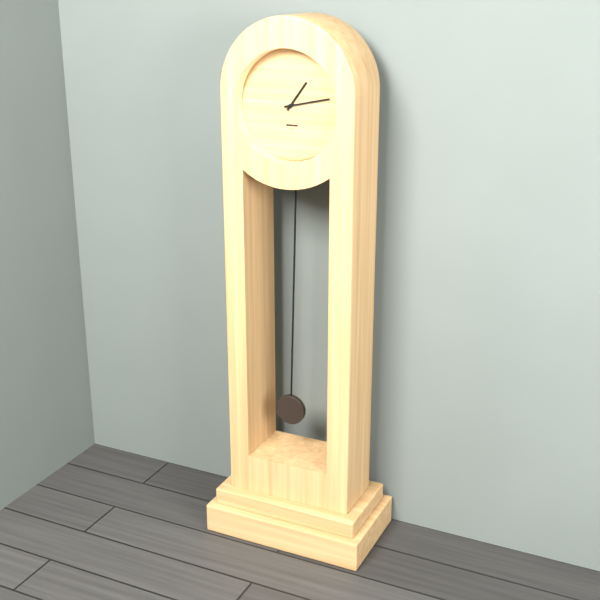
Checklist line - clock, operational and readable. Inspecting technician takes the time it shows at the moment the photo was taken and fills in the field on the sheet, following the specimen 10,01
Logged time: 1,13
